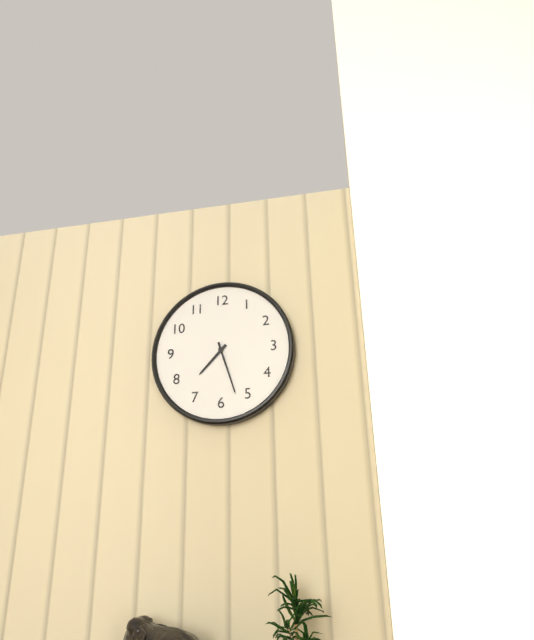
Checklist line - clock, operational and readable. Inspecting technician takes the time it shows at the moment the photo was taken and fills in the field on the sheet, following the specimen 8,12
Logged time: 7,27
